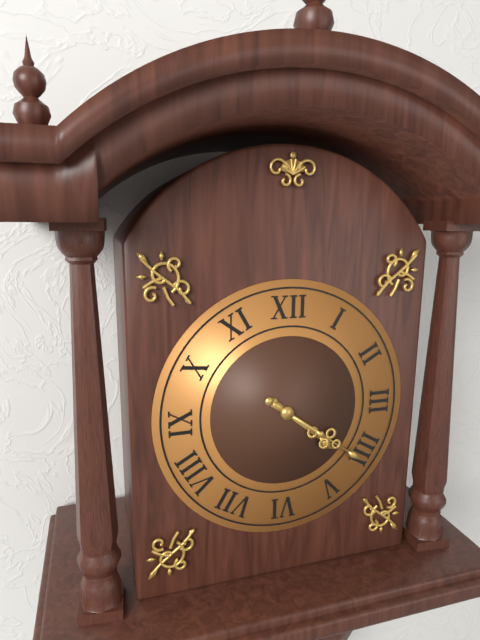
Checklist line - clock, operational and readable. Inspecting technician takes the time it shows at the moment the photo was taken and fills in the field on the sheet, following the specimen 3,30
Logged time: 4,21
